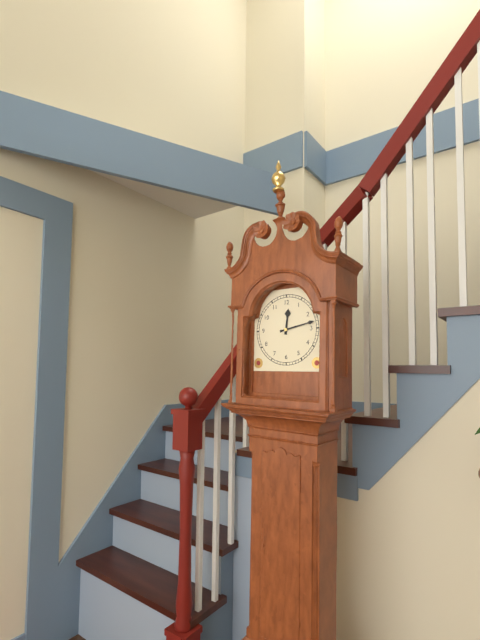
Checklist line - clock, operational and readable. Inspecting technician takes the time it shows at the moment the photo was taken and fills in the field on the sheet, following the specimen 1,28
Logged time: 12,13
